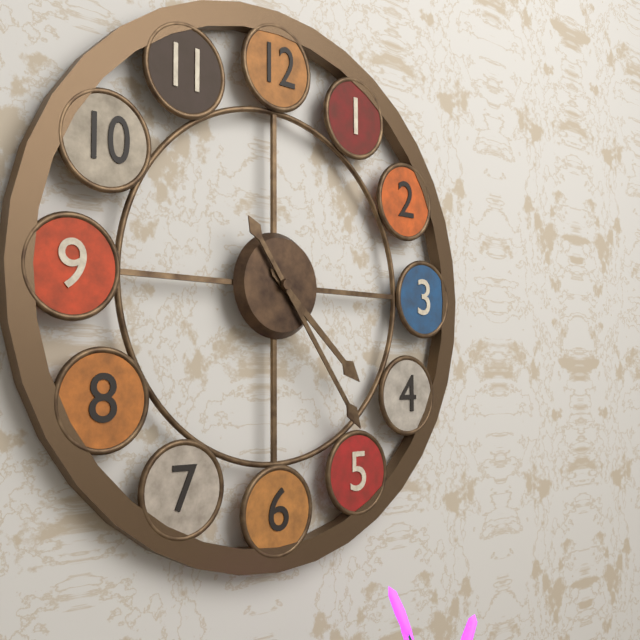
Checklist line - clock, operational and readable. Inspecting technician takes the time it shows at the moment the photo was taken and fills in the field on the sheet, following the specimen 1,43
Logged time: 4,24
